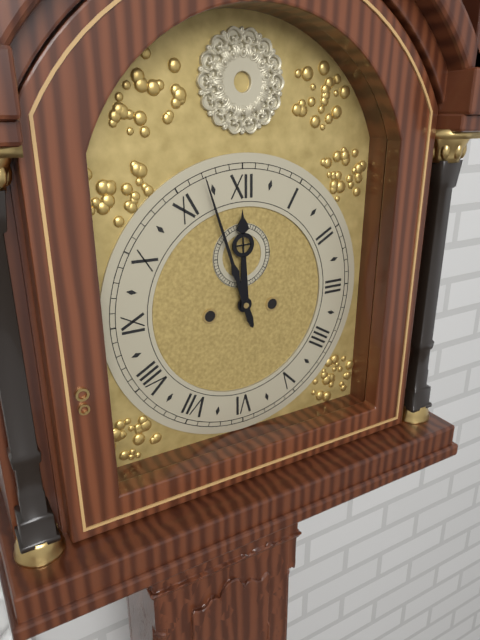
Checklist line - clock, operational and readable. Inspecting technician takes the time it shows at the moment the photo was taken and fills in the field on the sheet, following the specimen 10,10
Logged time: 11,57
